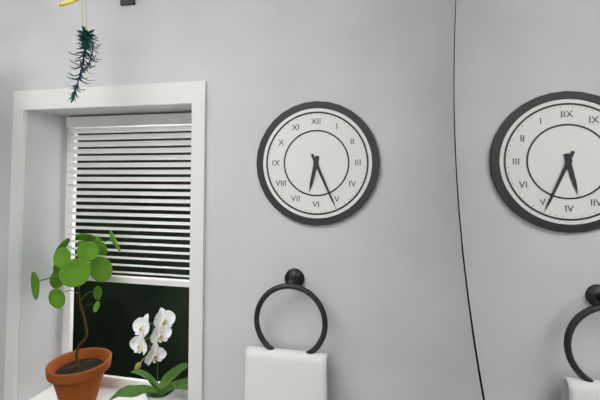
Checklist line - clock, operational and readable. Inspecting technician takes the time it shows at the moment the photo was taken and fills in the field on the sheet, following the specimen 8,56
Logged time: 6,26
